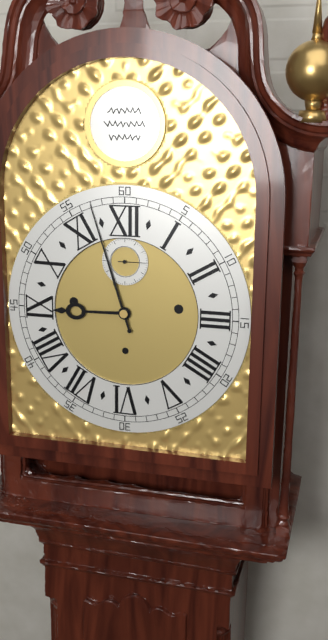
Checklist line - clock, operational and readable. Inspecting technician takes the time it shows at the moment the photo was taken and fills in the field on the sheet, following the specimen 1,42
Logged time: 8,57
